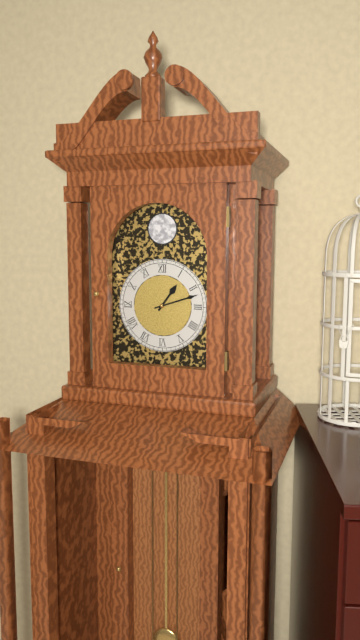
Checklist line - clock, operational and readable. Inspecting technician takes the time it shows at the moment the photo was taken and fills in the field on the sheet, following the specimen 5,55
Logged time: 1,12
